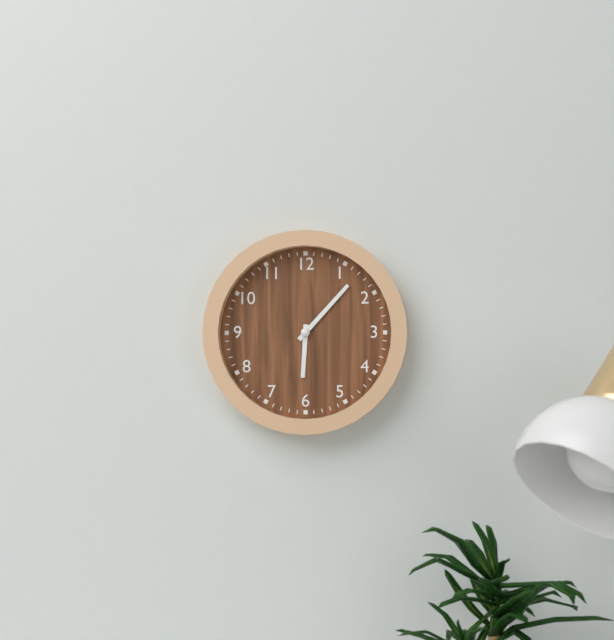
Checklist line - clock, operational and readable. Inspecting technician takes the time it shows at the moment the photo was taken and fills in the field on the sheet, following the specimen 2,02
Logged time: 6,07
